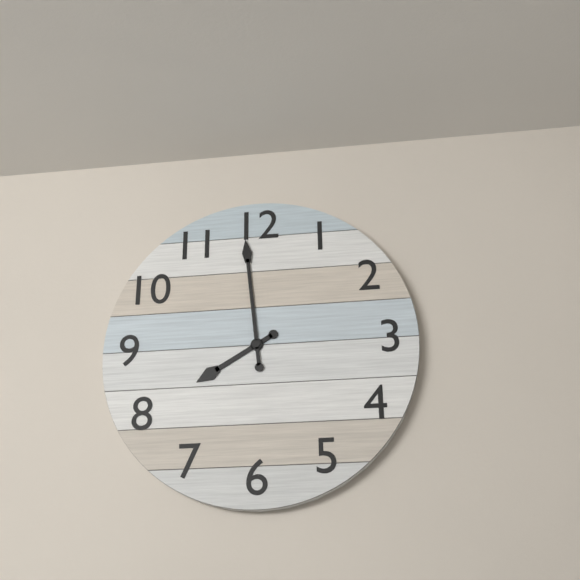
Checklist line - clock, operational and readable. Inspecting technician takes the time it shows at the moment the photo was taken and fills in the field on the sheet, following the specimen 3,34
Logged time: 7,59
